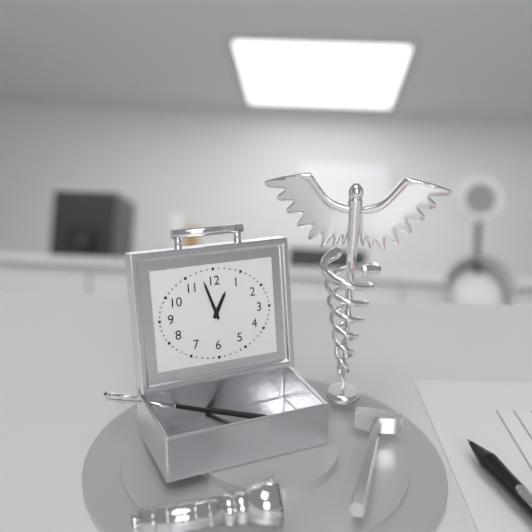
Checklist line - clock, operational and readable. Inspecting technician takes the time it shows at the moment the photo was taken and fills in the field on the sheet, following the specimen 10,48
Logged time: 12,57
